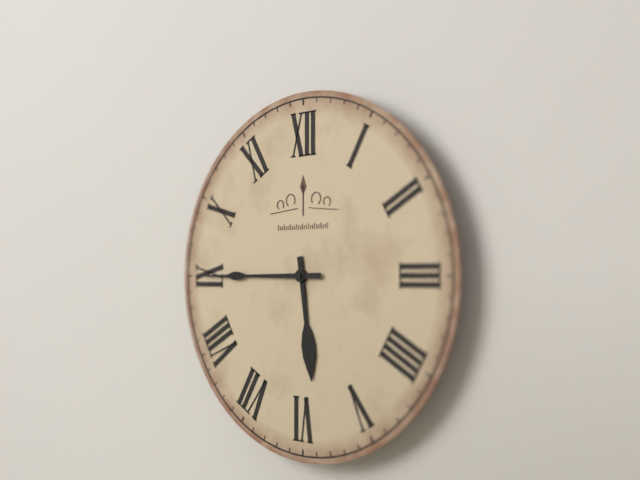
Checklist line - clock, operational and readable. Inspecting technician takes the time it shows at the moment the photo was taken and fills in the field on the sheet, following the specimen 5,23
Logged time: 5,45
